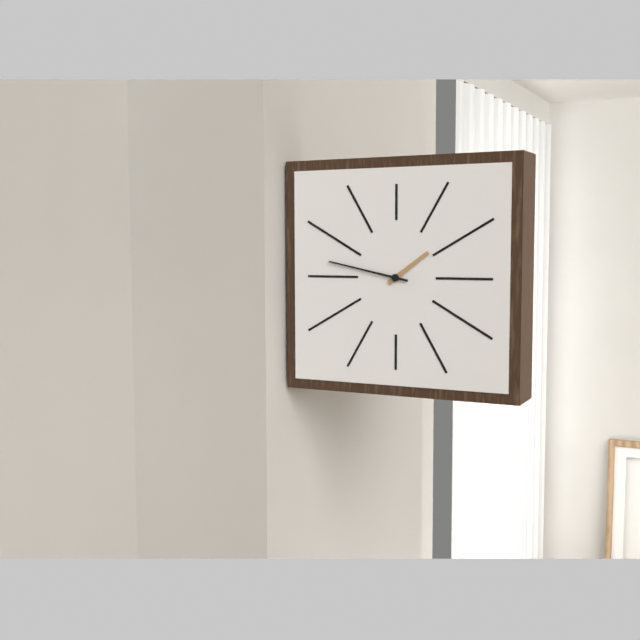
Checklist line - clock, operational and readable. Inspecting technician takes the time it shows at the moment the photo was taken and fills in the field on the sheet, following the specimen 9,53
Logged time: 1,47
